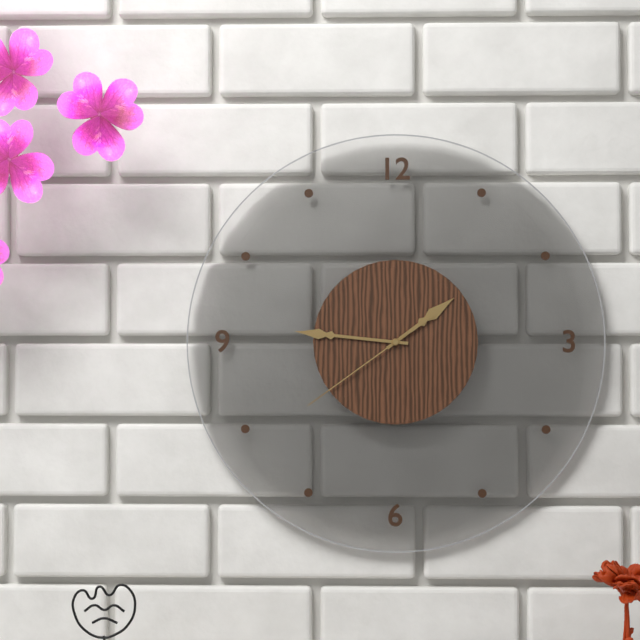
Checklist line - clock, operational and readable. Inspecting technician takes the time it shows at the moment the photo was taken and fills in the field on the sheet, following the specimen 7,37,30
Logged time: 1,46,39
